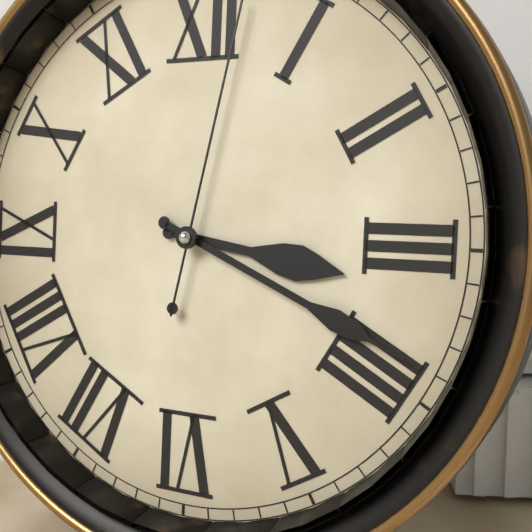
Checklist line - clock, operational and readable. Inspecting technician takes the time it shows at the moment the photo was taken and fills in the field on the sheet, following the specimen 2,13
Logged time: 3,19
